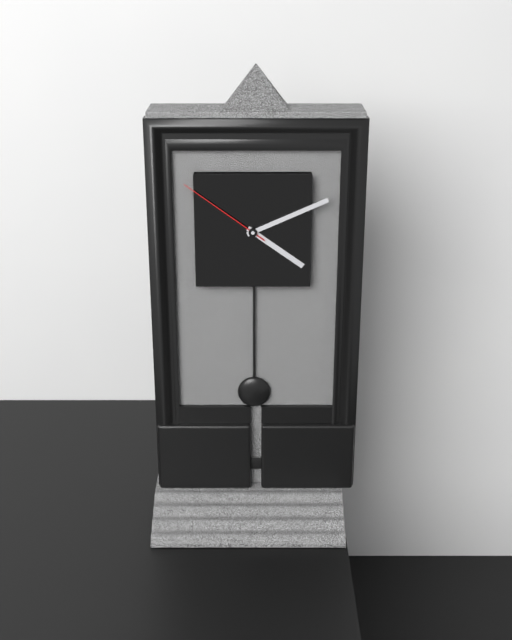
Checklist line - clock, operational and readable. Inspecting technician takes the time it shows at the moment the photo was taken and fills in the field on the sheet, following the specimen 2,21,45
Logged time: 4,11,51
